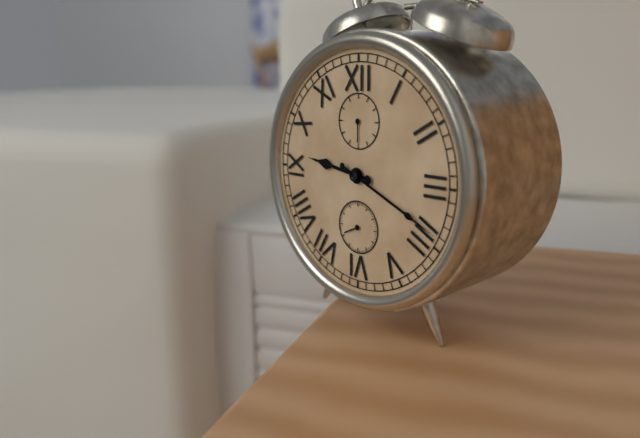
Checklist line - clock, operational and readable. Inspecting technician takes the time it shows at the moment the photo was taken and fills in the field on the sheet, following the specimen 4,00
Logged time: 9,19
